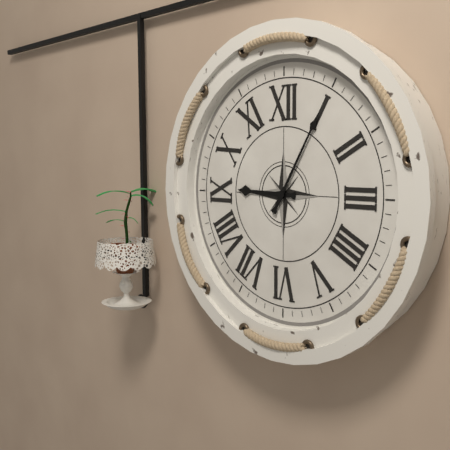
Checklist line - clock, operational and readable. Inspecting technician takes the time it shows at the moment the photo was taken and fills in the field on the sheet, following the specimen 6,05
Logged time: 9,05
